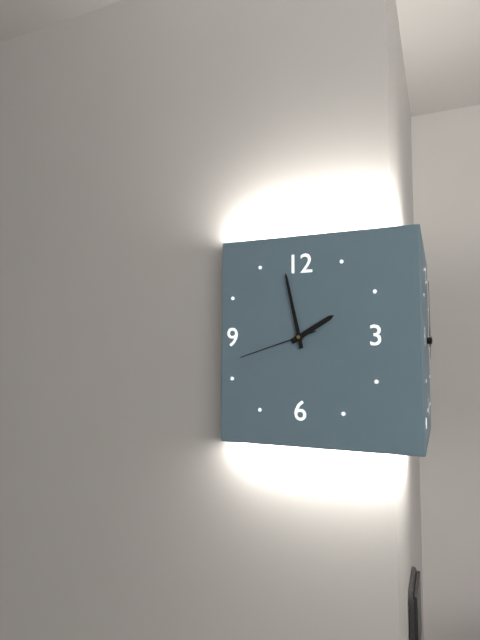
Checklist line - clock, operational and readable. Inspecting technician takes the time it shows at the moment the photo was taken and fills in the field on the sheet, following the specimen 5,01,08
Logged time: 1,58,42
